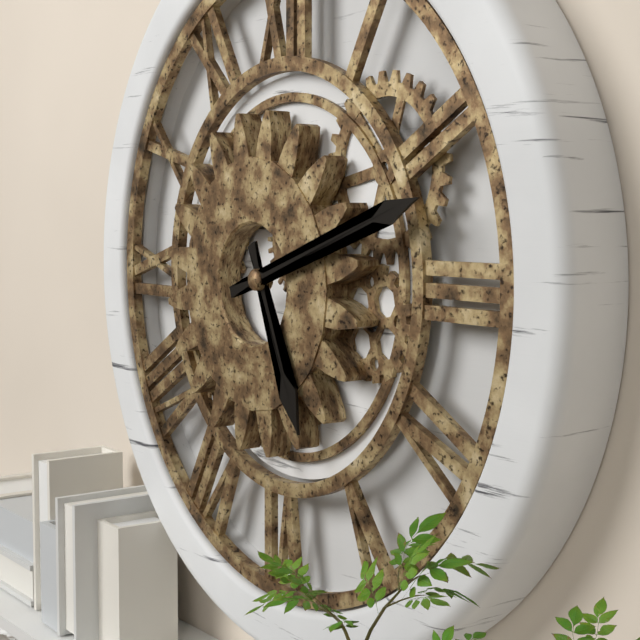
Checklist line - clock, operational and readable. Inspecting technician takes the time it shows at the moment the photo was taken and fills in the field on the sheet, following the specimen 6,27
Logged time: 5,12
